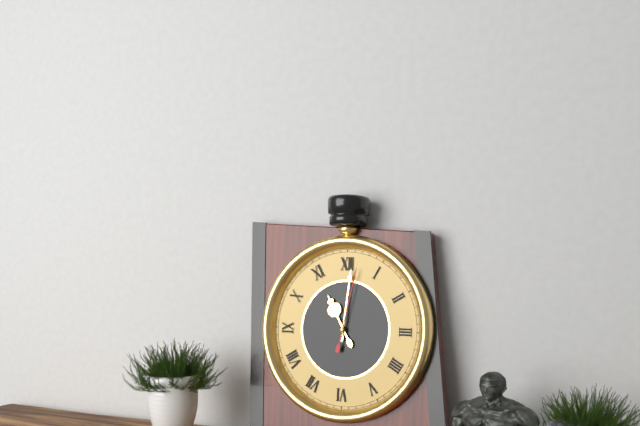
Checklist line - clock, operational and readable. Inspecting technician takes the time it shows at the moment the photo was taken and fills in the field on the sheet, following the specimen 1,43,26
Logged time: 11,01,02
